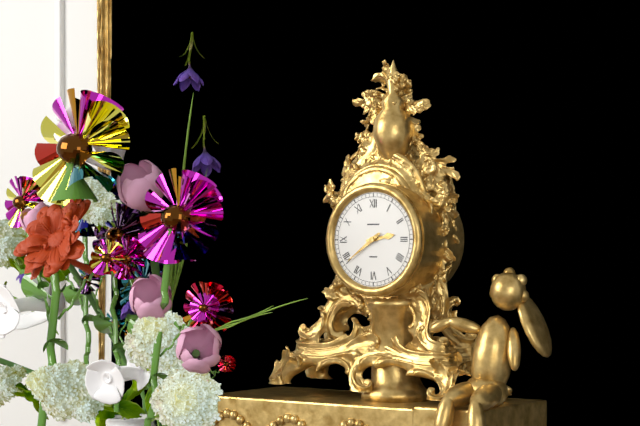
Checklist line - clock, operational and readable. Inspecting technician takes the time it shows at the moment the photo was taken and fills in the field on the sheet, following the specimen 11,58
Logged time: 2,39
